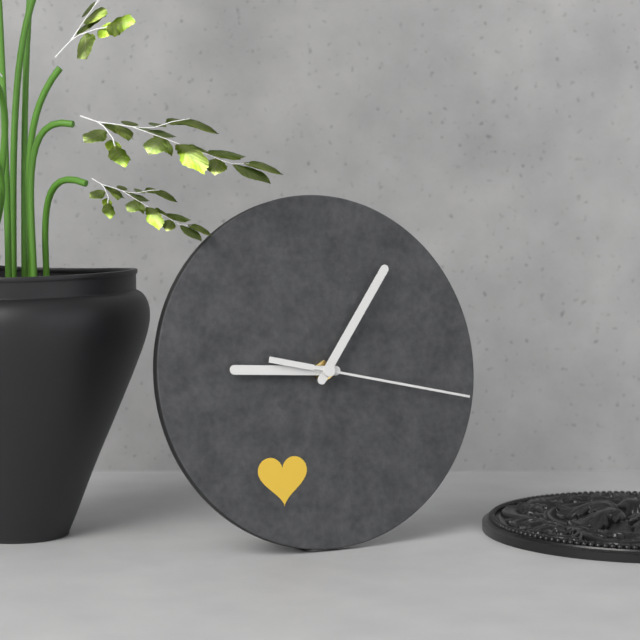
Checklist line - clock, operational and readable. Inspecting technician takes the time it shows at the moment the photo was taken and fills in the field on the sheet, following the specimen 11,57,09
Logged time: 9,06,17
